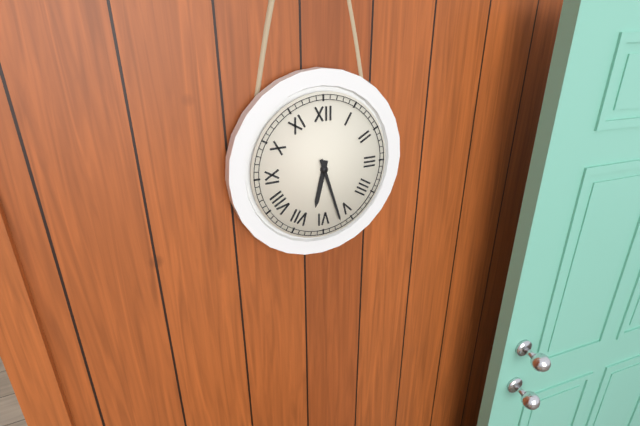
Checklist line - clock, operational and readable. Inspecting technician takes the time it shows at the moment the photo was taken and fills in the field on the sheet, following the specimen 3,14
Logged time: 6,27
